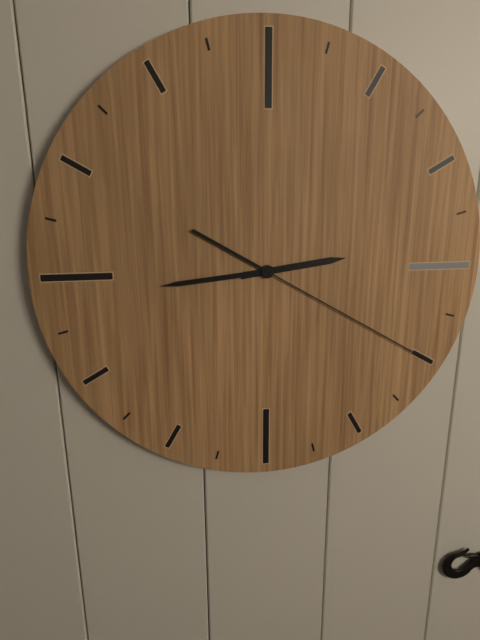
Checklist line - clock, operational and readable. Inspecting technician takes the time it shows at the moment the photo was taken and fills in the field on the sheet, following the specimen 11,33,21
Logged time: 2,44,20
